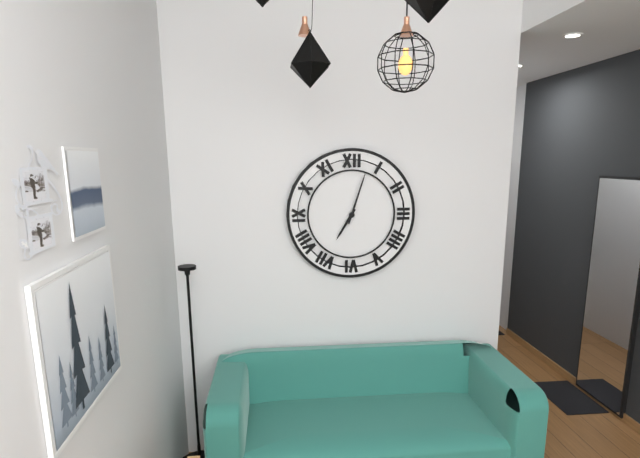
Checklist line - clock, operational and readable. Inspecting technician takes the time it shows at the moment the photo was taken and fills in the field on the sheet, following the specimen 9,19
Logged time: 7,03
